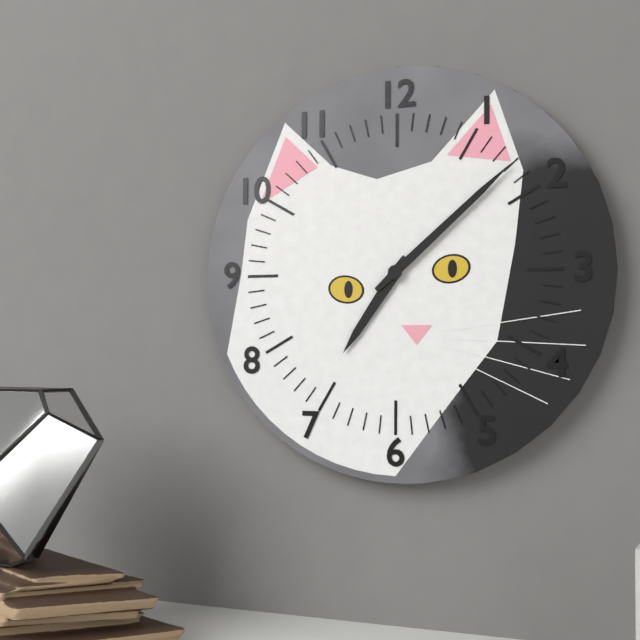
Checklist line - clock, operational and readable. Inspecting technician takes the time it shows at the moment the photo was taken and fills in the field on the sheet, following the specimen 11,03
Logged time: 7,08
